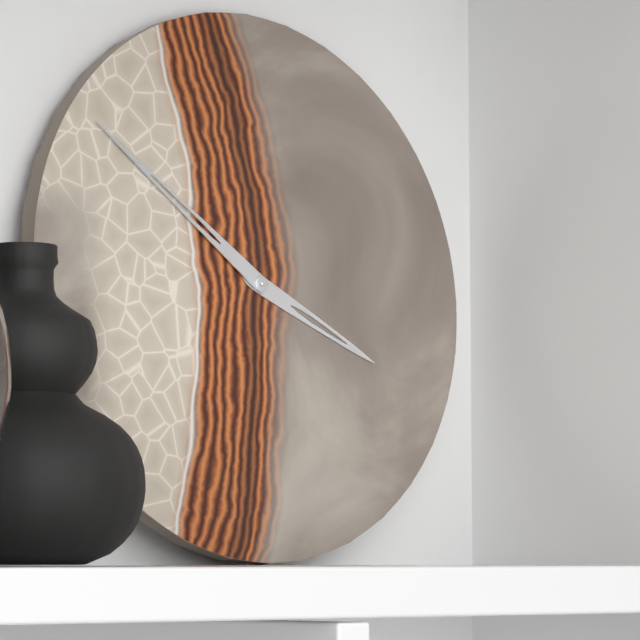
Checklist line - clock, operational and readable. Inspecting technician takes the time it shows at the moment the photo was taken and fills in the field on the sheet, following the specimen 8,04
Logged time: 3,51
